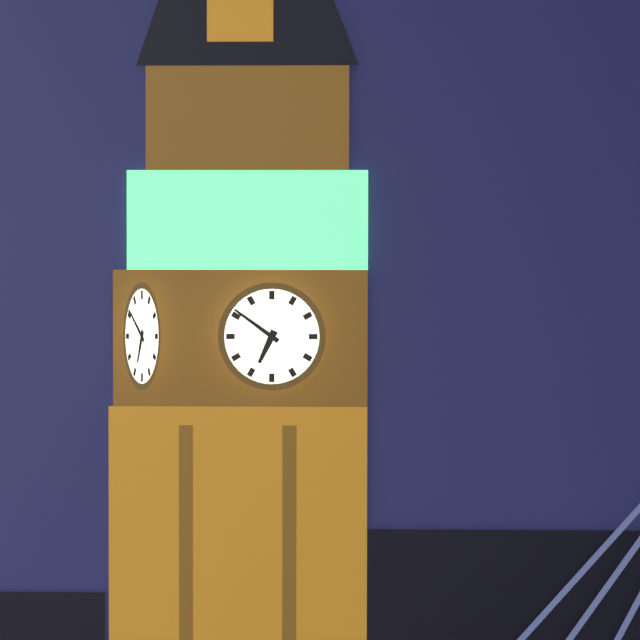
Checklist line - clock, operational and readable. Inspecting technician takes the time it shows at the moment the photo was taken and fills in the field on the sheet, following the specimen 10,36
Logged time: 6,51
